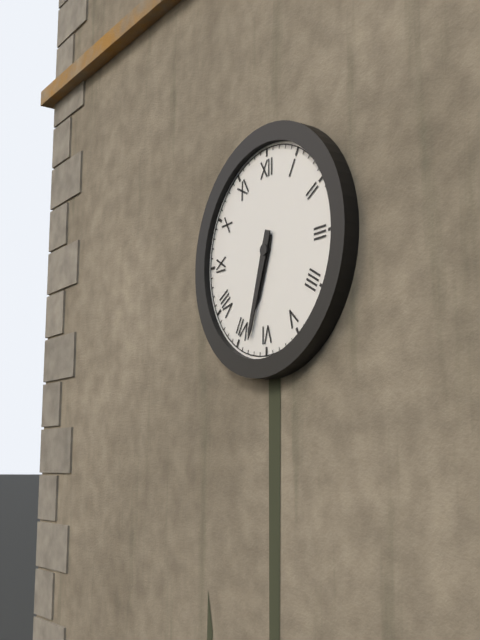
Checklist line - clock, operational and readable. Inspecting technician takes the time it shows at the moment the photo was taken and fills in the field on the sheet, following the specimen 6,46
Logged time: 6,33
